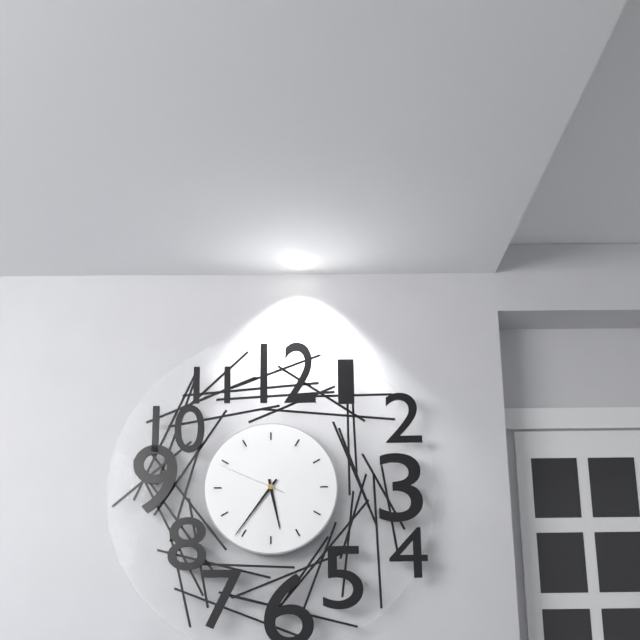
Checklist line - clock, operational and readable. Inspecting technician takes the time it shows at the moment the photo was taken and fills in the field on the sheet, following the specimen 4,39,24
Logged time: 5,36,49
